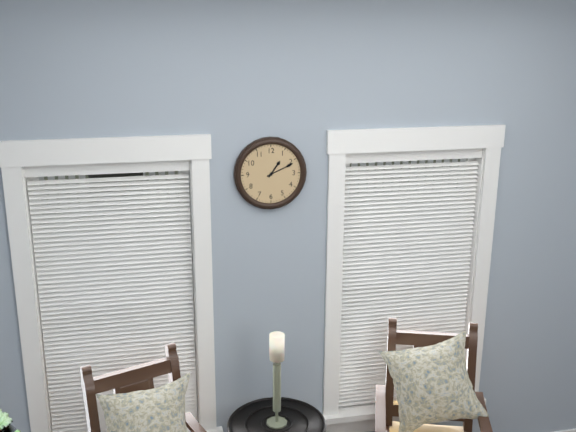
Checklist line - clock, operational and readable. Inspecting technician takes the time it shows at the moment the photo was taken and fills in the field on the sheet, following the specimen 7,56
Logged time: 1,11
